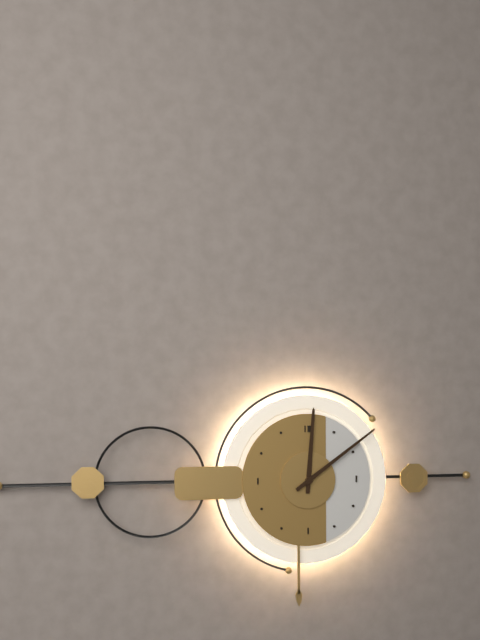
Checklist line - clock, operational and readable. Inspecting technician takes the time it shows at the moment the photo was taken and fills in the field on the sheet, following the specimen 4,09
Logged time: 12,09
